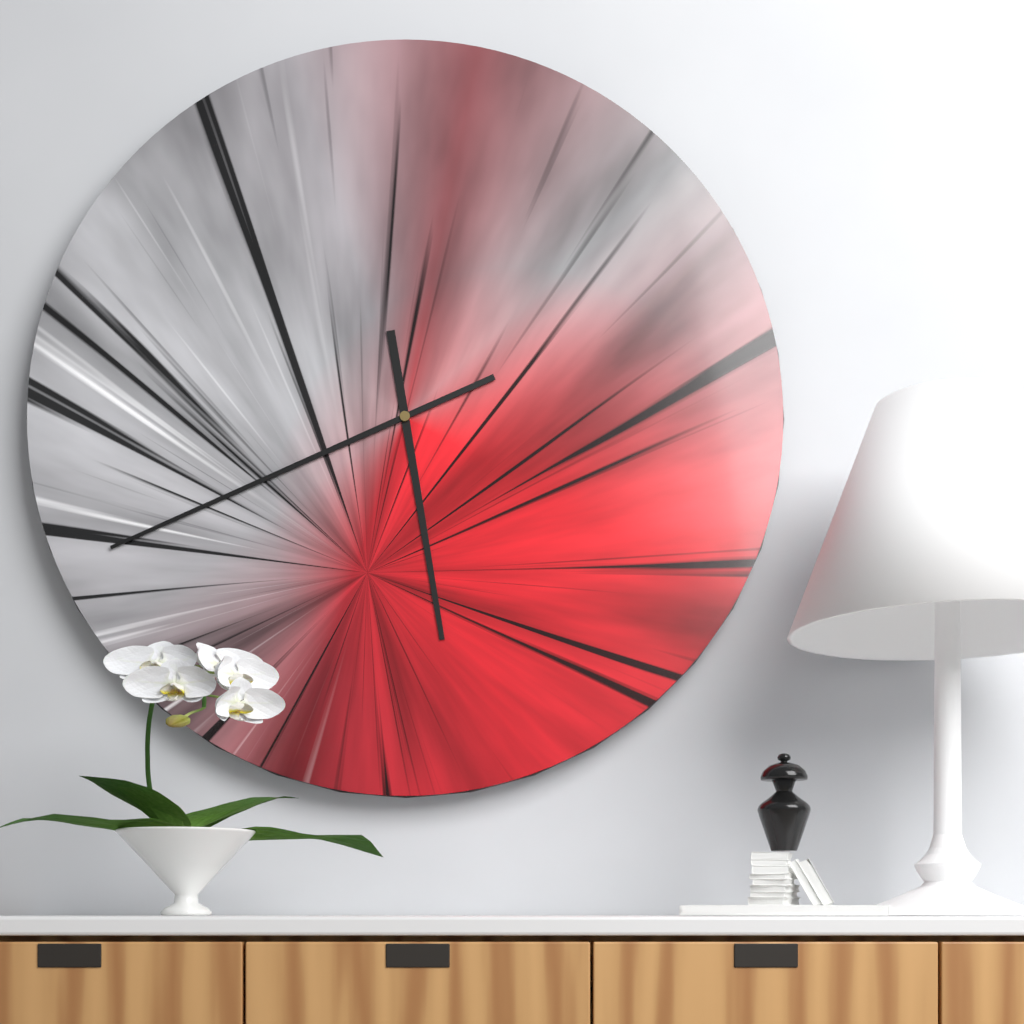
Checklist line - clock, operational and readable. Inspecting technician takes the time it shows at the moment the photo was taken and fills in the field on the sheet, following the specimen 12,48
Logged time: 5,41
